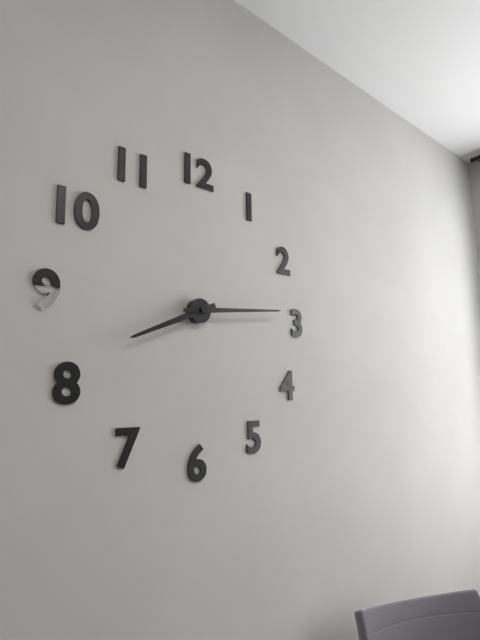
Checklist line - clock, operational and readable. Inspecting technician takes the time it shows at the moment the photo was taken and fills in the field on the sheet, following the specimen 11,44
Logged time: 8,14
